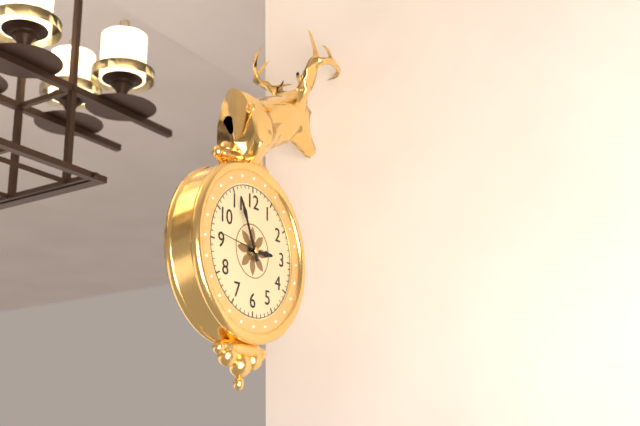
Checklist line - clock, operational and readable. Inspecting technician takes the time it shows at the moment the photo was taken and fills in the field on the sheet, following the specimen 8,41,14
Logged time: 2,56,46
